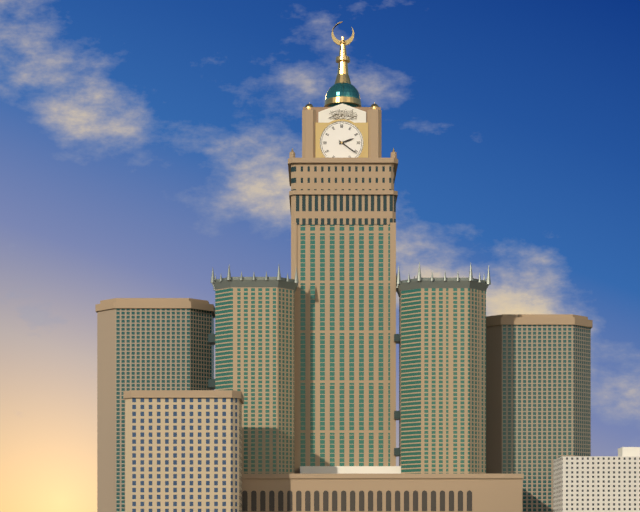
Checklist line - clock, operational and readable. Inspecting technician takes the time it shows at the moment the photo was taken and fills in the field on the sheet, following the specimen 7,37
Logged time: 2,21
